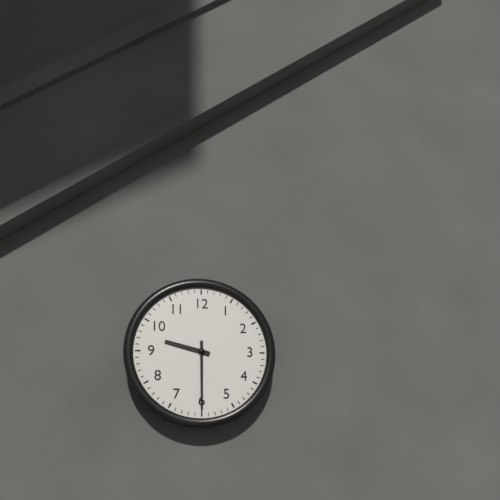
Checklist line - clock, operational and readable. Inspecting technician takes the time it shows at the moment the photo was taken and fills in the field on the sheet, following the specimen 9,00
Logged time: 9,30
